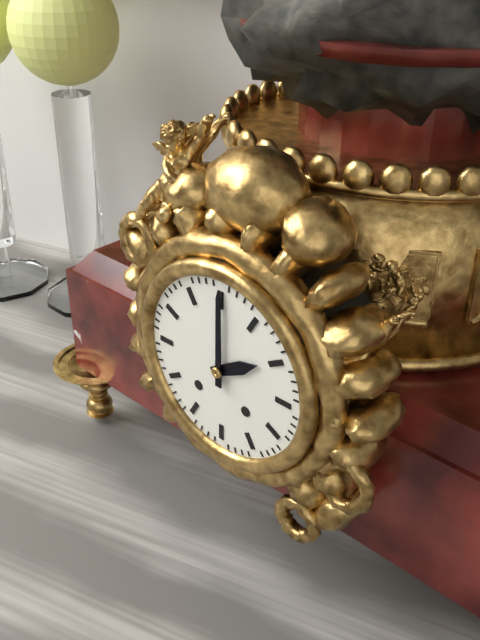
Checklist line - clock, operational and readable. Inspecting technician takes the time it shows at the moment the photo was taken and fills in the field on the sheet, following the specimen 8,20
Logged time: 2,00
